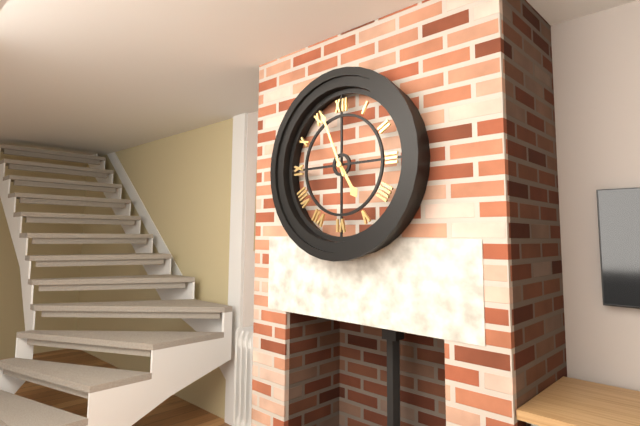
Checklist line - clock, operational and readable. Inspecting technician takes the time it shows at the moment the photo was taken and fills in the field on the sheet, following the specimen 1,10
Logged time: 4,56
